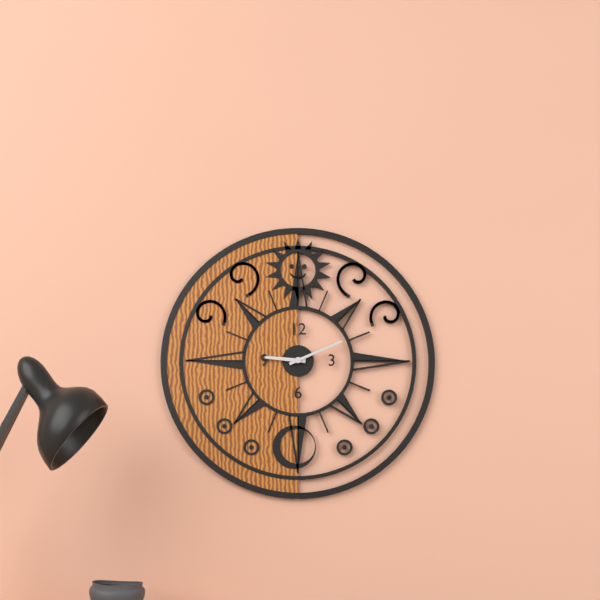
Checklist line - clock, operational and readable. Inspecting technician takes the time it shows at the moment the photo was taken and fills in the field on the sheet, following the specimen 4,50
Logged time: 9,11
